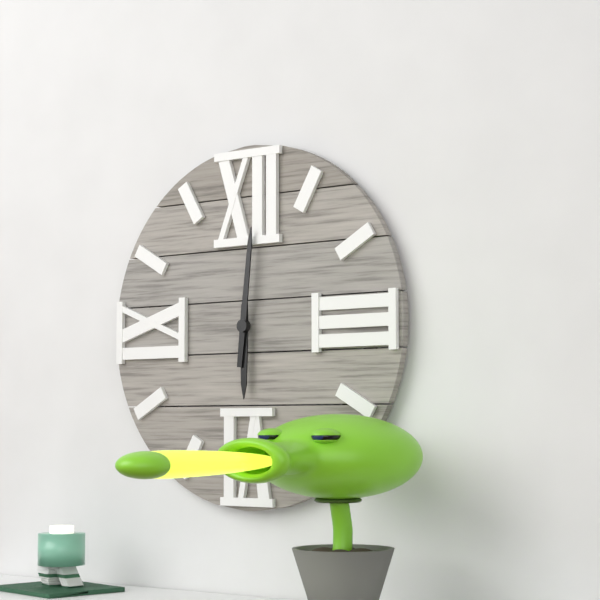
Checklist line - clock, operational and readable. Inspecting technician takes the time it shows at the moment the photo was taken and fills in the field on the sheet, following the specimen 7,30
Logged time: 6,01
